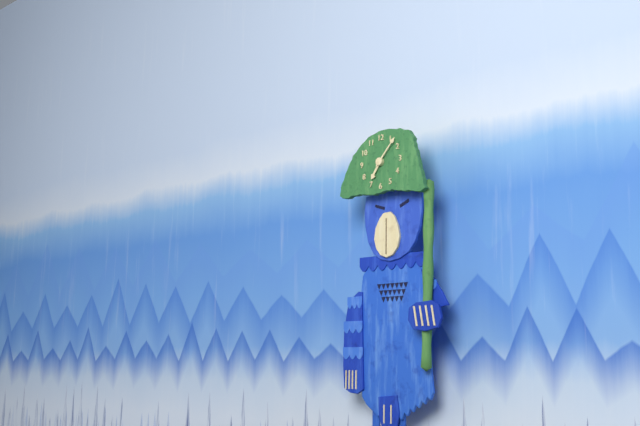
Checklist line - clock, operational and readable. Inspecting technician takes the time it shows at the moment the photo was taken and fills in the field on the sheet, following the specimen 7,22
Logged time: 7,07
